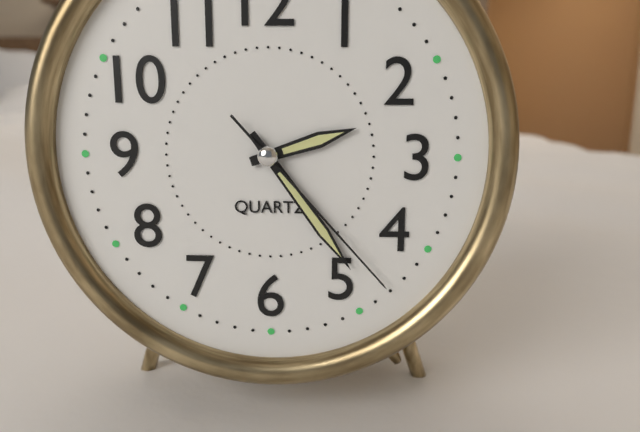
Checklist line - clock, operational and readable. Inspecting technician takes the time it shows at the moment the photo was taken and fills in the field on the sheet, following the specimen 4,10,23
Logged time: 2,24,23
